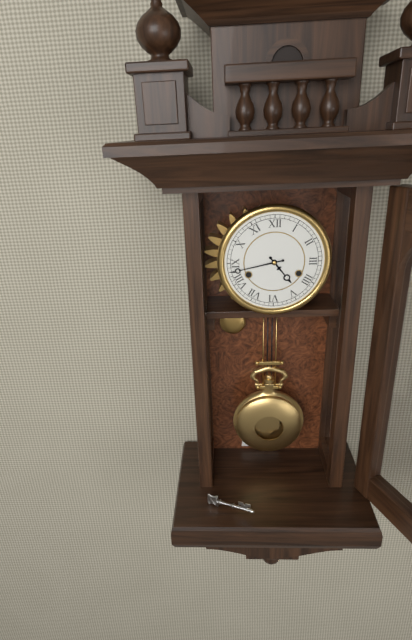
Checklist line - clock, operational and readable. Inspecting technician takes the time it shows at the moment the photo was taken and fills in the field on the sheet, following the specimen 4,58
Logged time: 4,43
